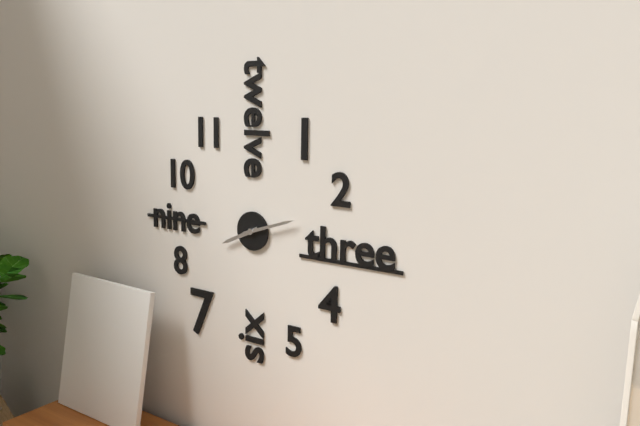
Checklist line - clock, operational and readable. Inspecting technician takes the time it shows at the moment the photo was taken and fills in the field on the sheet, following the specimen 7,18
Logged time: 8,12
